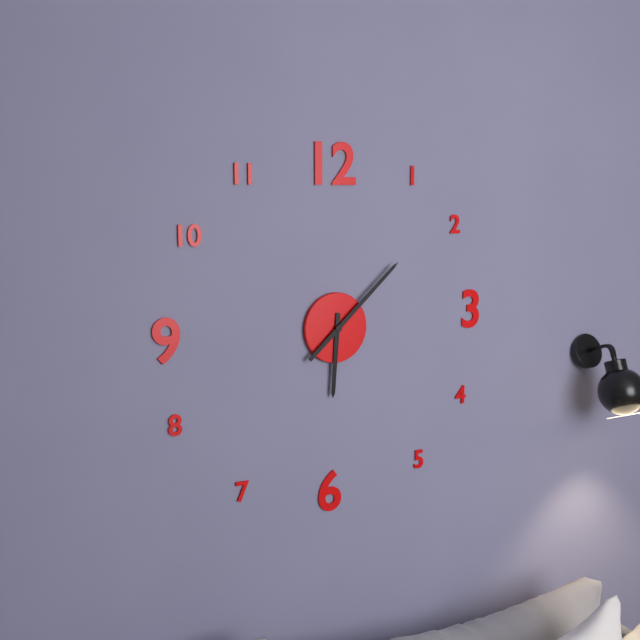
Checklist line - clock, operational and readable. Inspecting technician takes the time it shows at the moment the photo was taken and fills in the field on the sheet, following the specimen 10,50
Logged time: 6,08
